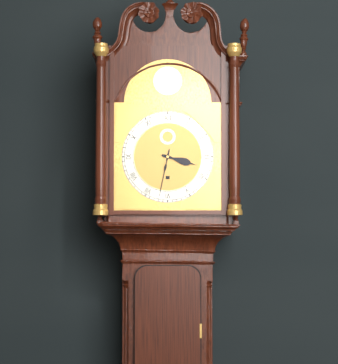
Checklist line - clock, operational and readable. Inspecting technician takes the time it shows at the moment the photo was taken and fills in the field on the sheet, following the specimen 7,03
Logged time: 3,32
